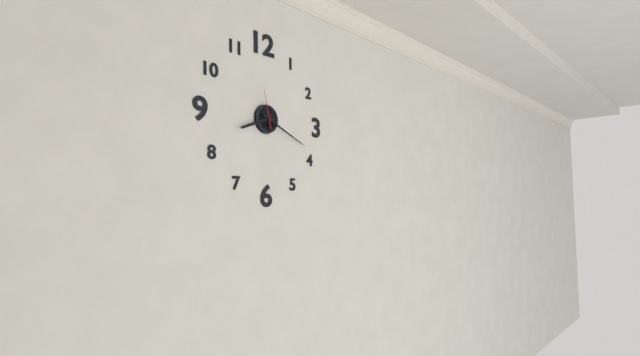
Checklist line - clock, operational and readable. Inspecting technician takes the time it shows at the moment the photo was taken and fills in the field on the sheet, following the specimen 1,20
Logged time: 8,19
